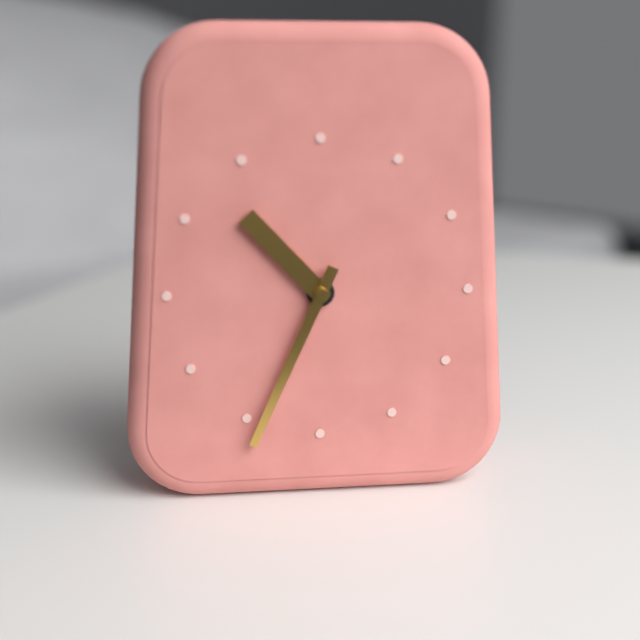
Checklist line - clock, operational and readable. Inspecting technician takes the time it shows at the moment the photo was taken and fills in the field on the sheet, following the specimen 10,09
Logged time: 10,34
